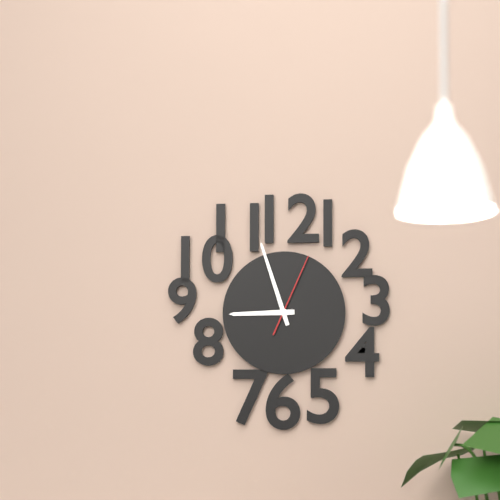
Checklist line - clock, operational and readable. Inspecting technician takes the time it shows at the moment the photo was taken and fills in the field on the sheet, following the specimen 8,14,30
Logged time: 8,57,04
